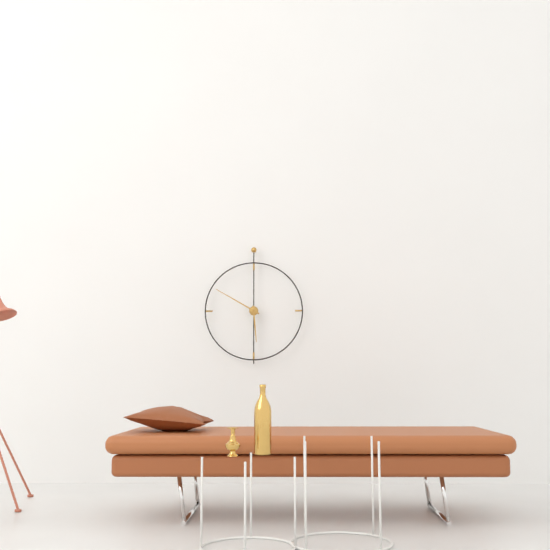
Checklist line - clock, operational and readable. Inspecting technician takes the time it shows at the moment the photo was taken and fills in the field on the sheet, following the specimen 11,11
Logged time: 5,50
